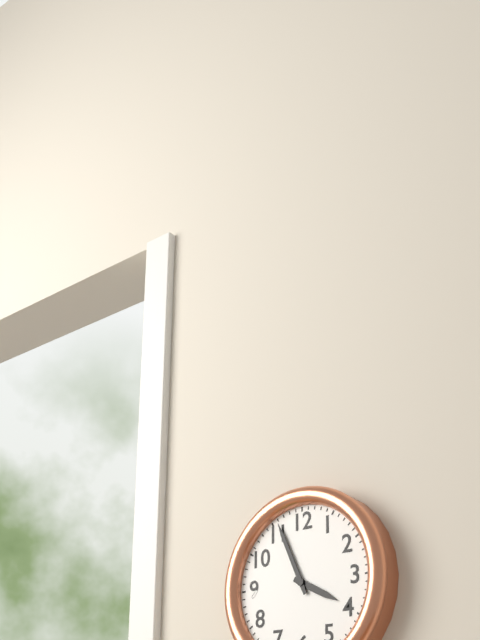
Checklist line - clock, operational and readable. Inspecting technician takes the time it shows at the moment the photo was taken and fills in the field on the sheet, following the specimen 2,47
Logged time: 3,56
